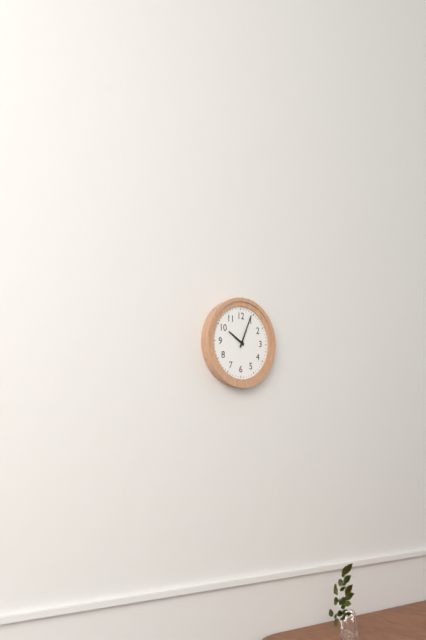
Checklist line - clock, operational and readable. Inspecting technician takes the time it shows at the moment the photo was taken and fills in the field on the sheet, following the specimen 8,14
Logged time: 10,04
